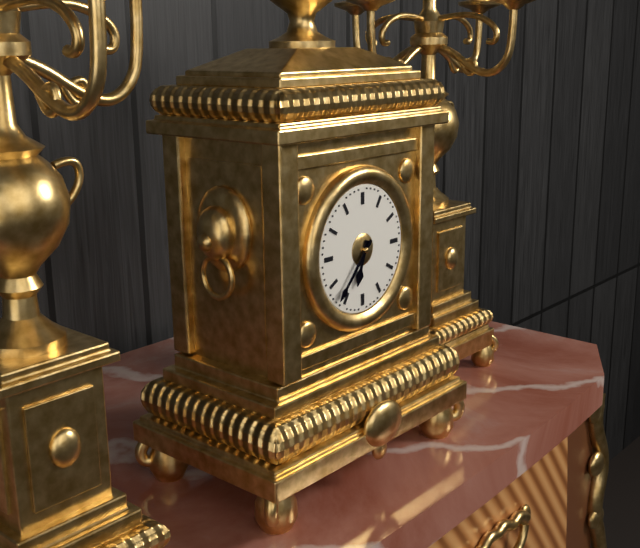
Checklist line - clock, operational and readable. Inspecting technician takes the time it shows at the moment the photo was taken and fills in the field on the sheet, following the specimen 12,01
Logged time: 6,37
